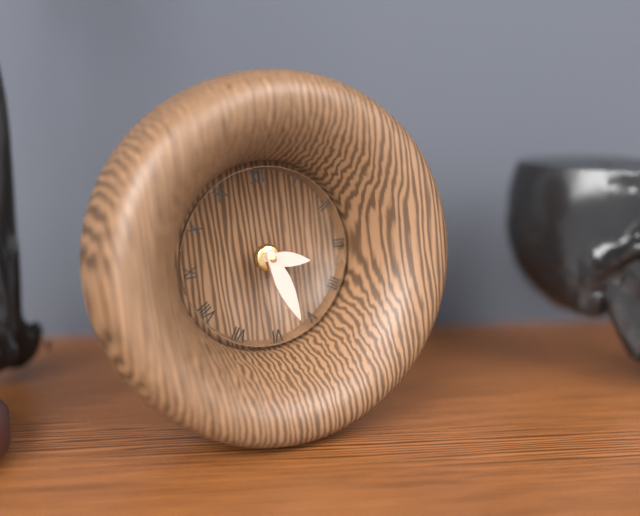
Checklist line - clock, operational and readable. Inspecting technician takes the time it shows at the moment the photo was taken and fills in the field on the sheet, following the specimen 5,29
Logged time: 3,27
